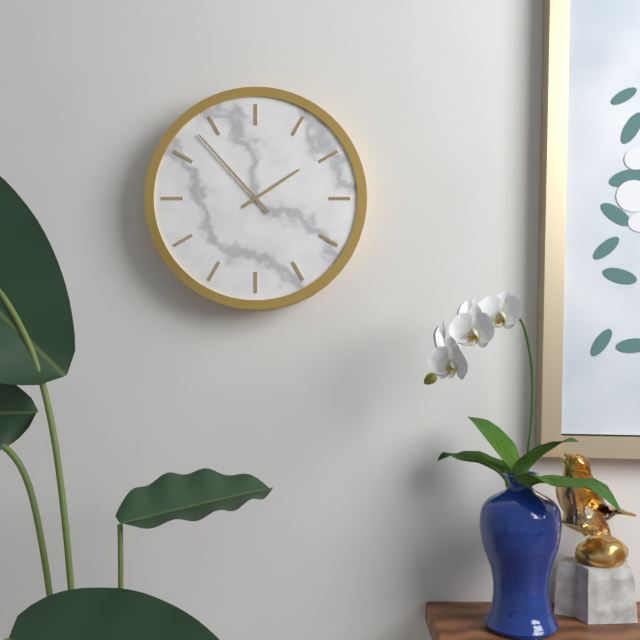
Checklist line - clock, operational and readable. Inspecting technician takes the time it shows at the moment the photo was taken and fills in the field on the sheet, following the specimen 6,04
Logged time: 1,53
